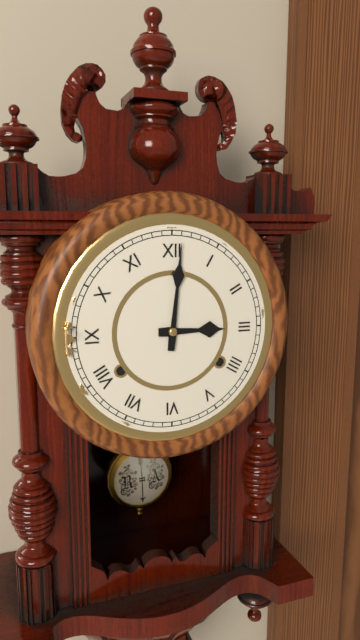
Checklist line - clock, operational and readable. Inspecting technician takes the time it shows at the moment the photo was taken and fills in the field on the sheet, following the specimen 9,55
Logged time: 3,01
